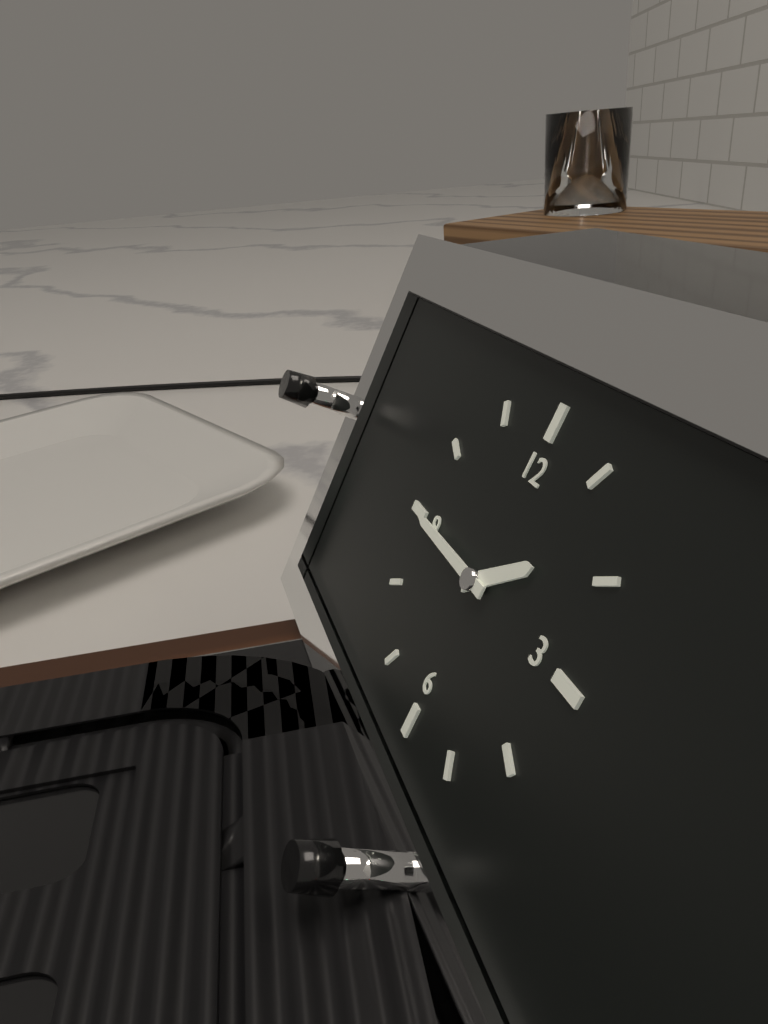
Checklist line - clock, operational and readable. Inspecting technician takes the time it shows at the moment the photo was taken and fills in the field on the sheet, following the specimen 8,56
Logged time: 1,45
